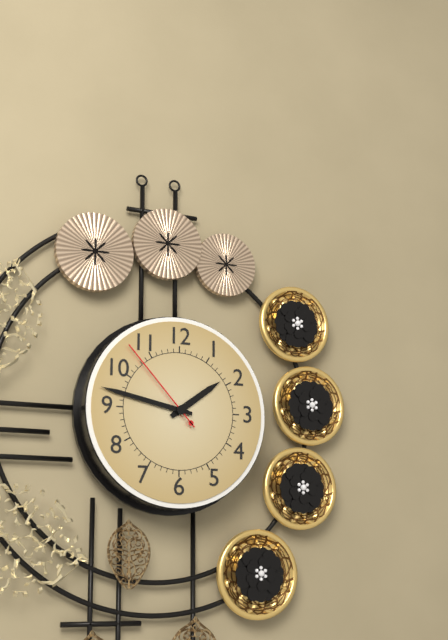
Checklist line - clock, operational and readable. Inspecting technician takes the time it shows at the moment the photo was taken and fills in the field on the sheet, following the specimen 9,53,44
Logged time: 1,47,53
